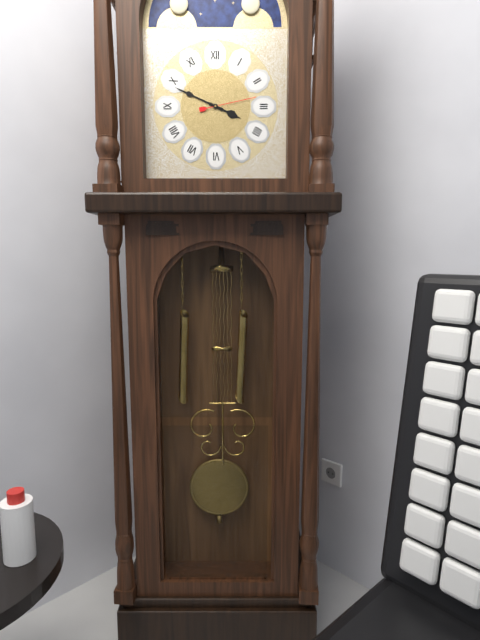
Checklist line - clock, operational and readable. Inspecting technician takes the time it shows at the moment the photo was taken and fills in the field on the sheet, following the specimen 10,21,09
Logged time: 3,49,13
